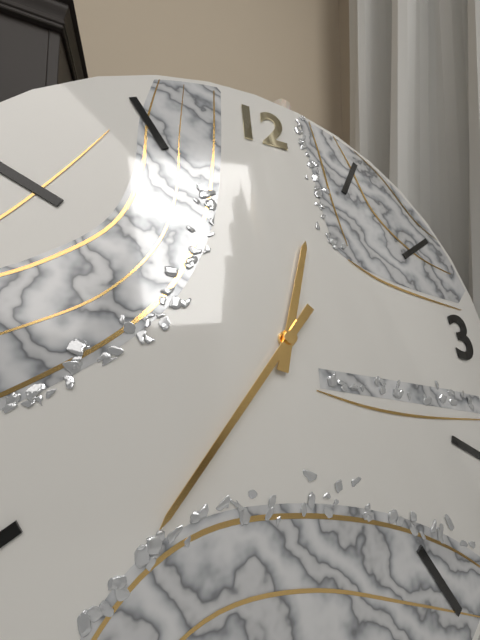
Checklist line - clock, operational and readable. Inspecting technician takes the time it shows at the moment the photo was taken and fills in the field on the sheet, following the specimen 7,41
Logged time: 12,37
